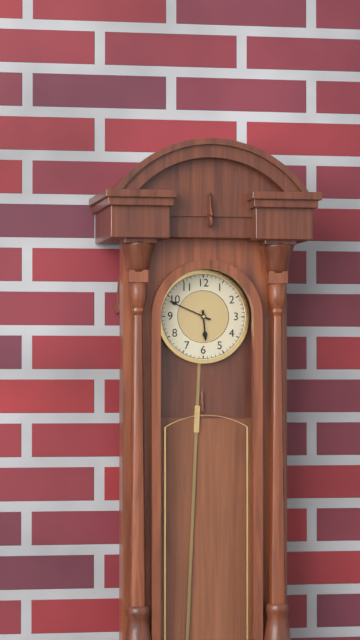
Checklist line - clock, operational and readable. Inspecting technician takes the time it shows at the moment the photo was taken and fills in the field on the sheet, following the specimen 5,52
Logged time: 5,49
